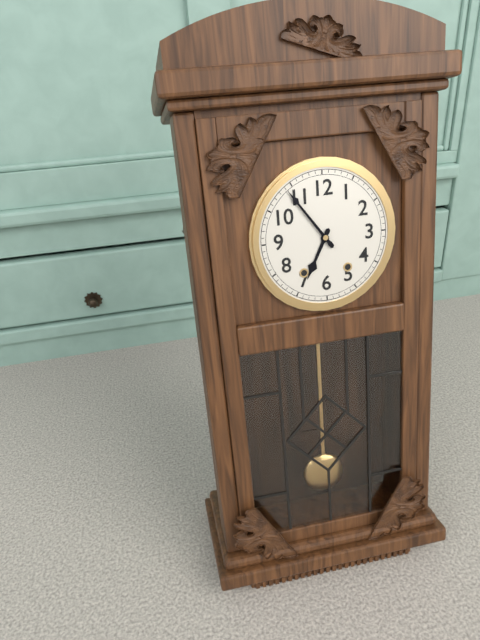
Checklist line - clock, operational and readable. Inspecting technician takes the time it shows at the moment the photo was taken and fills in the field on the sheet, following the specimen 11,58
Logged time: 6,54
